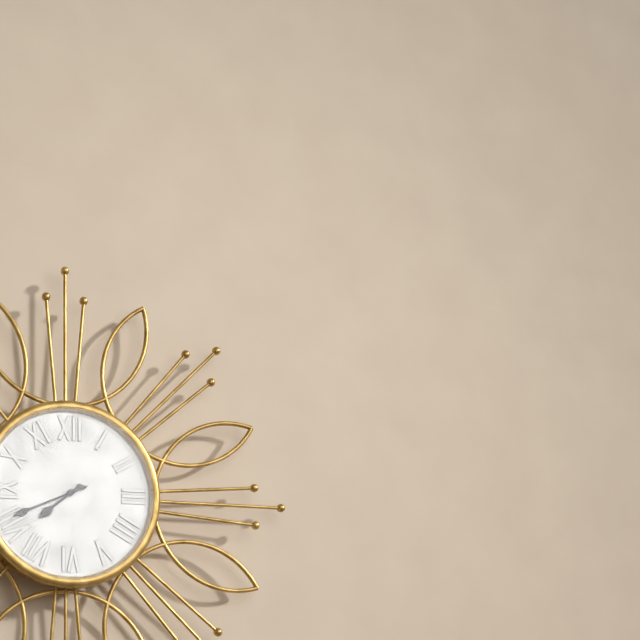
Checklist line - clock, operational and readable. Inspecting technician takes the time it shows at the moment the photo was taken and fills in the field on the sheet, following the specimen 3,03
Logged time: 7,41
